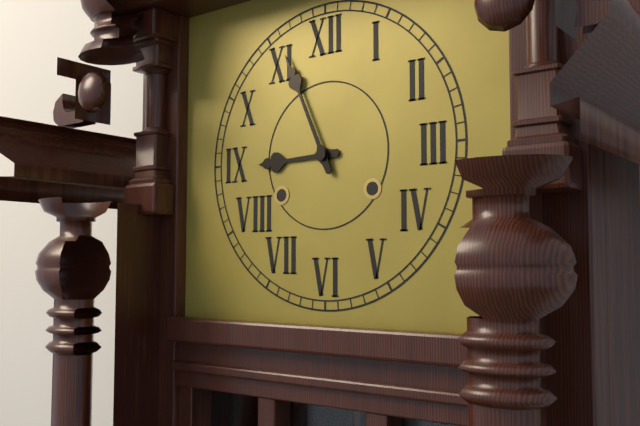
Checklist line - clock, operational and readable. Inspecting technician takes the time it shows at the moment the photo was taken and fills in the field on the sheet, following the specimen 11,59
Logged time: 8,56
